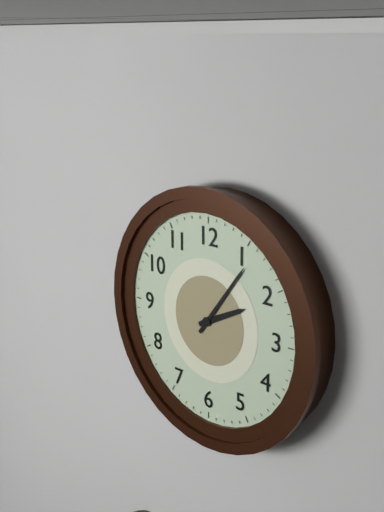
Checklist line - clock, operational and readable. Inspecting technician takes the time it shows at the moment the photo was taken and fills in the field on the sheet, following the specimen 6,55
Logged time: 2,06
